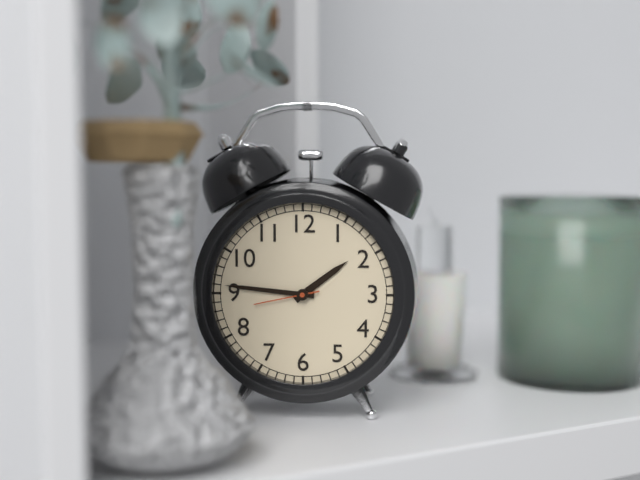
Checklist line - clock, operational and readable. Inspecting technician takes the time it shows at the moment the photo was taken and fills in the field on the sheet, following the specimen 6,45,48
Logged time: 1,46,43
